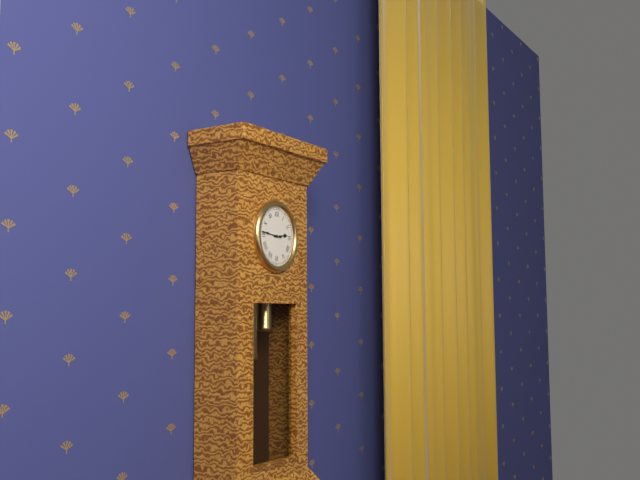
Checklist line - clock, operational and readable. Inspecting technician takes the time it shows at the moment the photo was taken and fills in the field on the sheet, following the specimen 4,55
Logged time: 2,46
